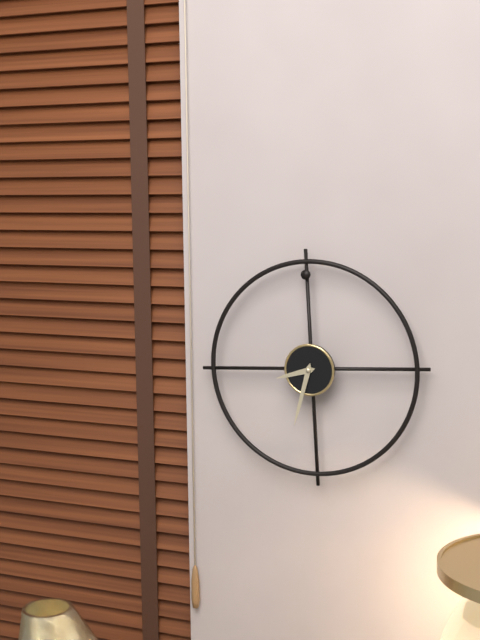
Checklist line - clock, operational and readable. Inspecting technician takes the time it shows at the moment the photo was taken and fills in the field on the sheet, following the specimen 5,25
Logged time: 8,33
